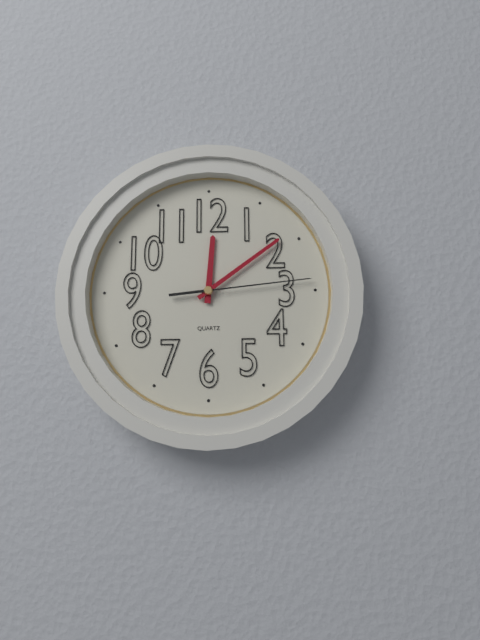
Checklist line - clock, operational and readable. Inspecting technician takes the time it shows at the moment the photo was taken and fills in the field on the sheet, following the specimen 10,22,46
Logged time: 12,09,14
